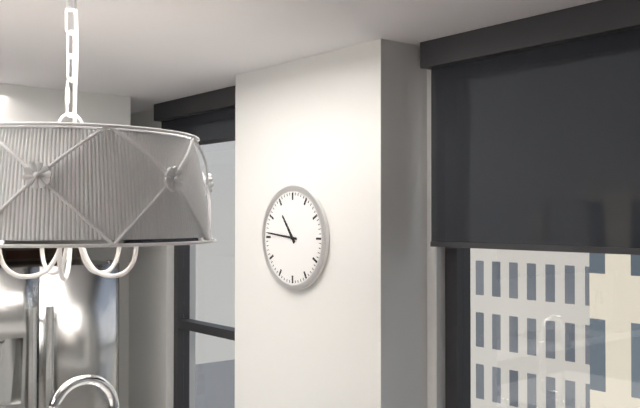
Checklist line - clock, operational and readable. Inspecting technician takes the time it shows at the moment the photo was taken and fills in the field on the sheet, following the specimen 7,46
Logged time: 10,46
